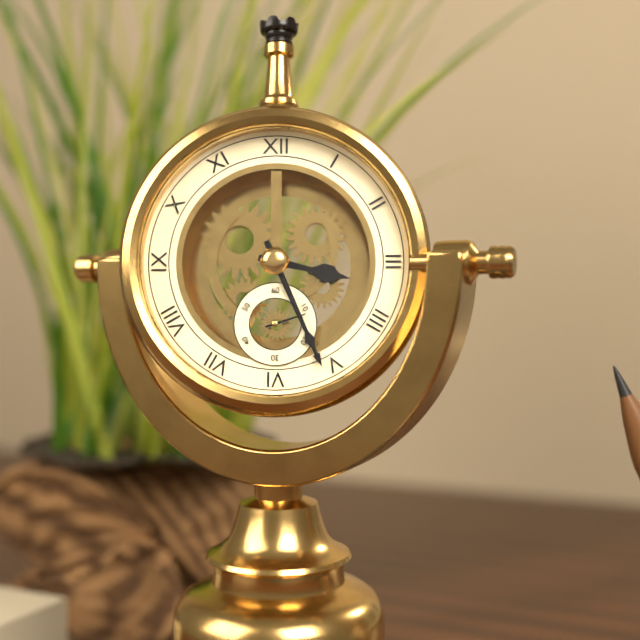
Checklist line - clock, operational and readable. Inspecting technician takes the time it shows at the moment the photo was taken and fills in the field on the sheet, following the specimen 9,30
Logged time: 3,26
